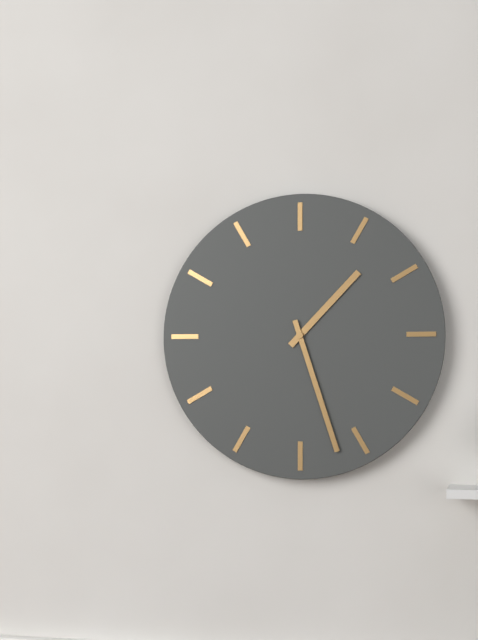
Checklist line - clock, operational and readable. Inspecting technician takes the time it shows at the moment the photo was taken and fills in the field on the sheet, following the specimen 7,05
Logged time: 1,27
